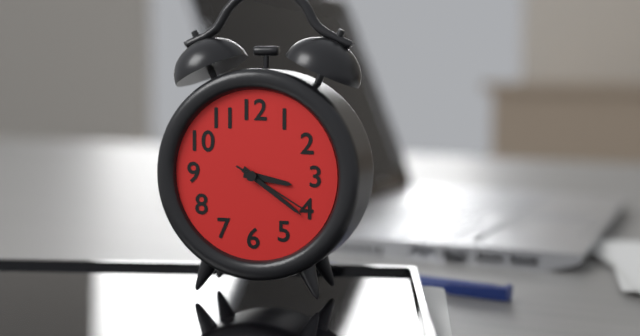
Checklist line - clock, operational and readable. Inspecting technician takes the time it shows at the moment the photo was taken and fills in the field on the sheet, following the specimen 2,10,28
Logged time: 3,21,20
